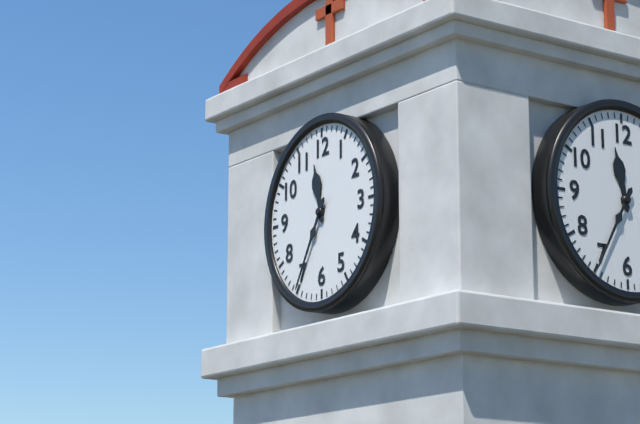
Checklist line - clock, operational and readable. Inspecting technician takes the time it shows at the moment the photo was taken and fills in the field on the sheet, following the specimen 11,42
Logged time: 11,35
